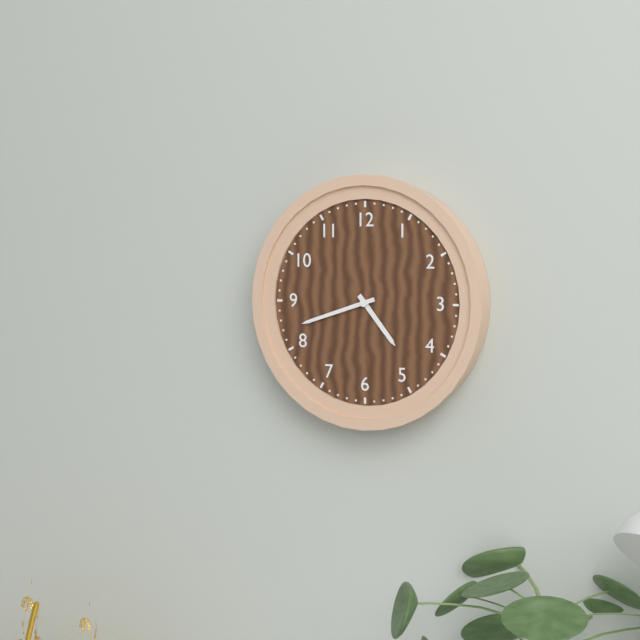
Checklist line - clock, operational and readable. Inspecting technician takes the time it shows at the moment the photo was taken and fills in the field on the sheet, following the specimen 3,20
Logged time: 4,42
